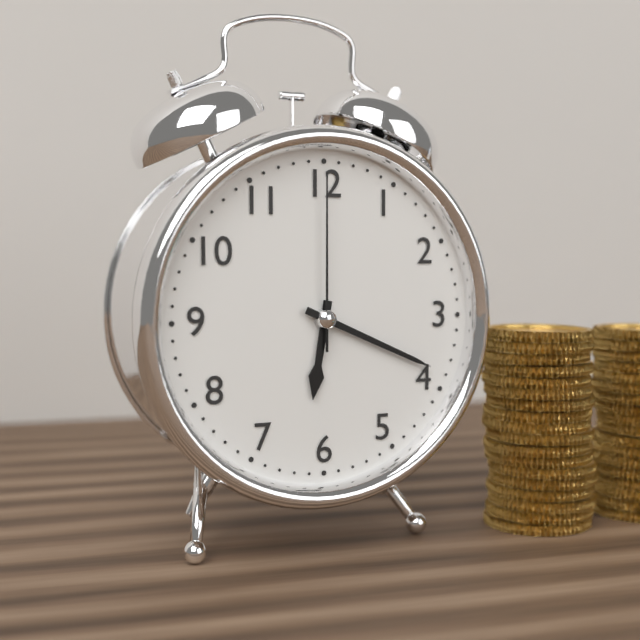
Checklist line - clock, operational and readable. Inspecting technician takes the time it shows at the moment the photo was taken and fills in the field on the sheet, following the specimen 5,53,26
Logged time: 6,19,00
